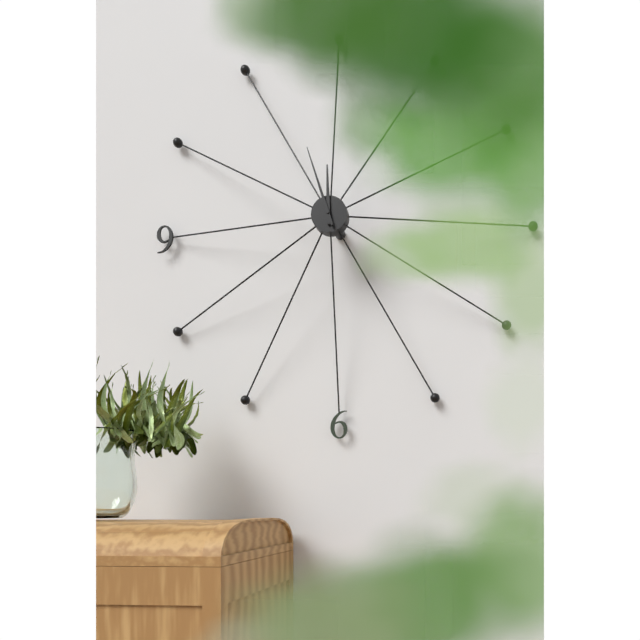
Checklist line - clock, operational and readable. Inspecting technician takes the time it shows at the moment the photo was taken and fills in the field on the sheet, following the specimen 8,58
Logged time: 11,57
